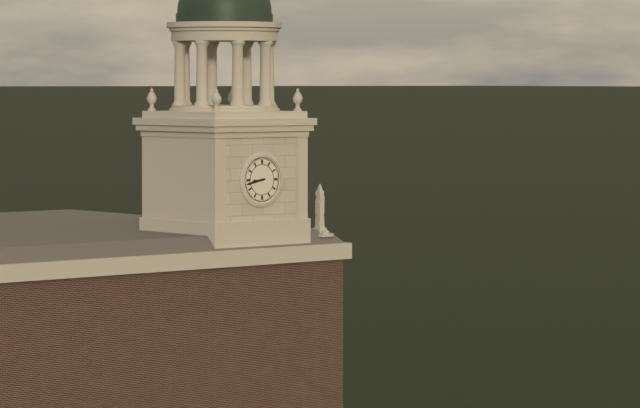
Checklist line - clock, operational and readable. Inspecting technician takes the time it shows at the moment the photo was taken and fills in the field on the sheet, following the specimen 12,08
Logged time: 8,43
